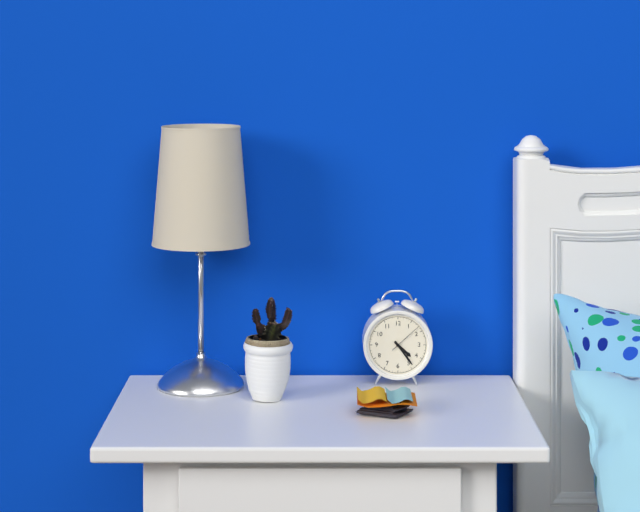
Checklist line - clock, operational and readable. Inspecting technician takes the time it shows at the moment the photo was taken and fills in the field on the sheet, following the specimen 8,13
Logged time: 4,24
